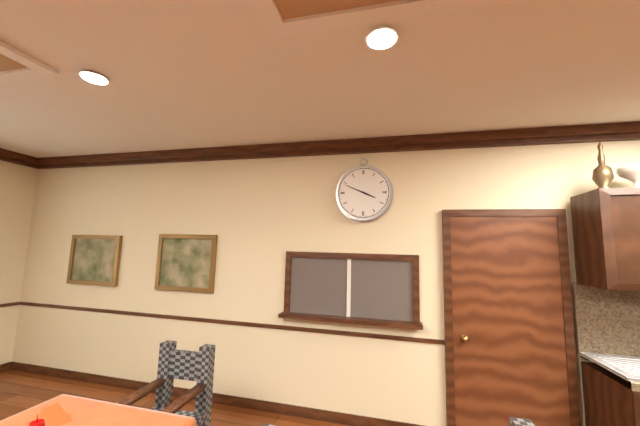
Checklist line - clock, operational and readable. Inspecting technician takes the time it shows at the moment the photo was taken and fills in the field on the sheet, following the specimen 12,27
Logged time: 3,49
